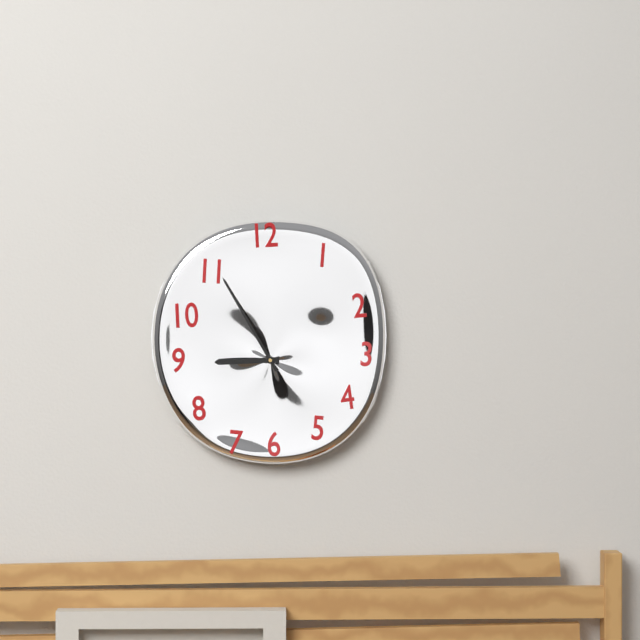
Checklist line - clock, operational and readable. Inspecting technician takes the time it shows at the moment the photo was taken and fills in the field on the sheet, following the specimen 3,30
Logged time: 8,55
